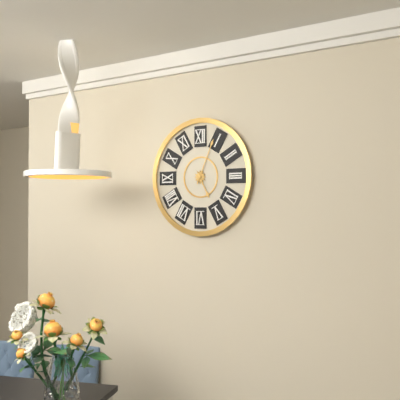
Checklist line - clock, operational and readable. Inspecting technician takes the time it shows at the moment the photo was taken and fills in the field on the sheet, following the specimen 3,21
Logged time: 5,04
